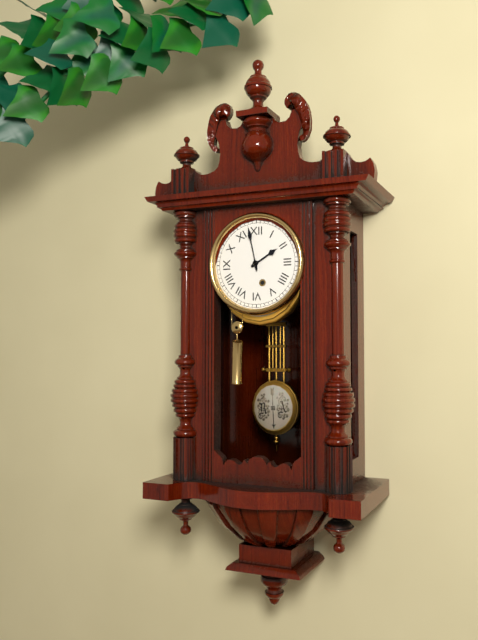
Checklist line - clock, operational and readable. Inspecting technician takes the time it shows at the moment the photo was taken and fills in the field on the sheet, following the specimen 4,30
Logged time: 1,58
